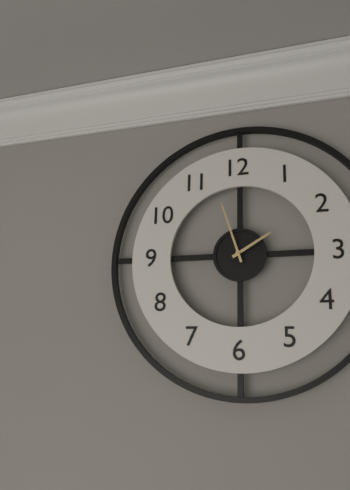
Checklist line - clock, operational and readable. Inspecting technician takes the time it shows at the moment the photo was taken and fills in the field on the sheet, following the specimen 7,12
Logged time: 1,57
